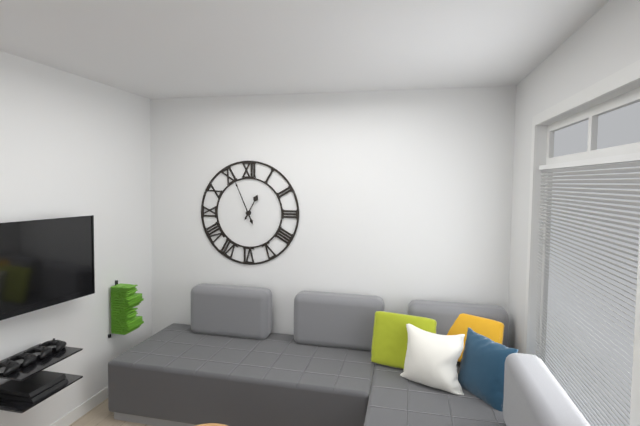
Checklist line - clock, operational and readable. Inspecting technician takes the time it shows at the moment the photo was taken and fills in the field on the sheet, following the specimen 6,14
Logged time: 12,56
